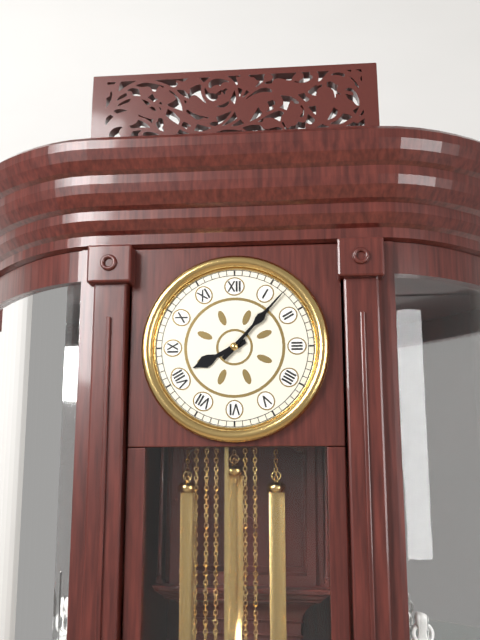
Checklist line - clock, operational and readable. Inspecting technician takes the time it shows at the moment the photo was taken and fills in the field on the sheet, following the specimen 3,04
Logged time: 8,07
